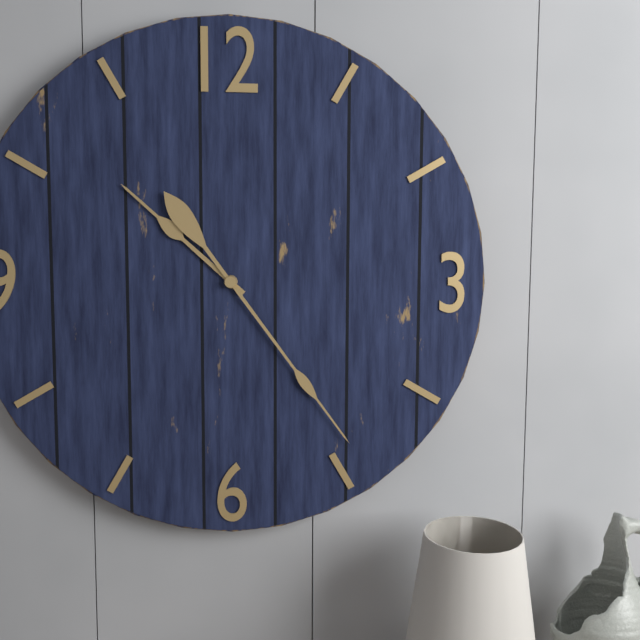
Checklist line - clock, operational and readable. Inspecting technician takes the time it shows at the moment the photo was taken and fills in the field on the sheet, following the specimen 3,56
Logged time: 10,24
